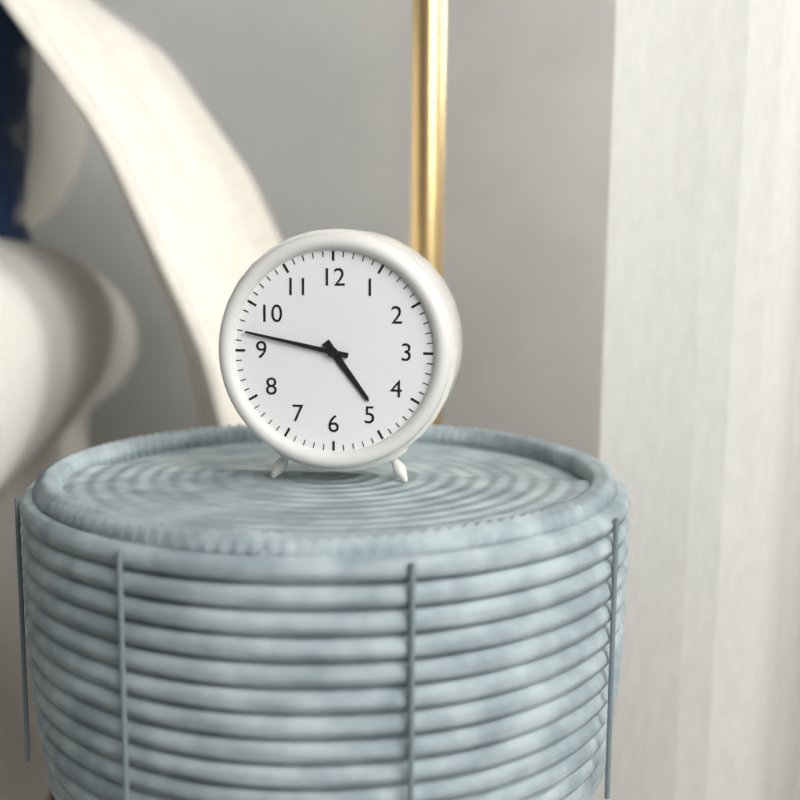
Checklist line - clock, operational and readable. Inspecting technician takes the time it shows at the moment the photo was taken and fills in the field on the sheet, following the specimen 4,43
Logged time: 4,47
